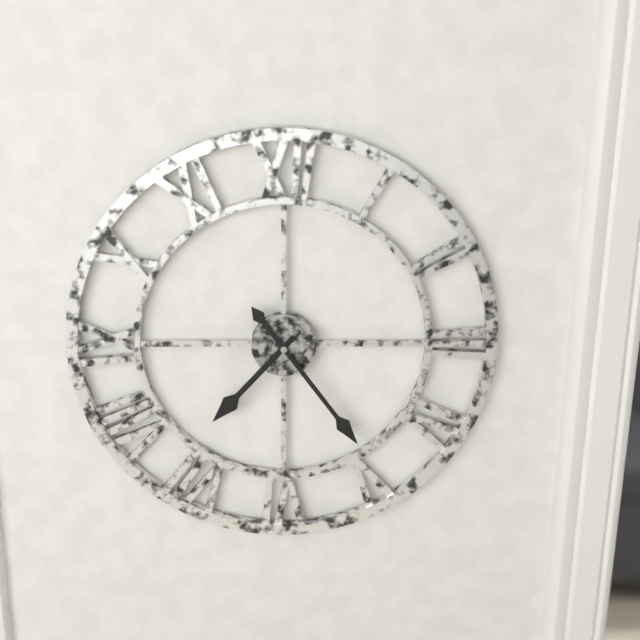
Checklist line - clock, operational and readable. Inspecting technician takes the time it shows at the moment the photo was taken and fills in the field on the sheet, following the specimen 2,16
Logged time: 7,24
